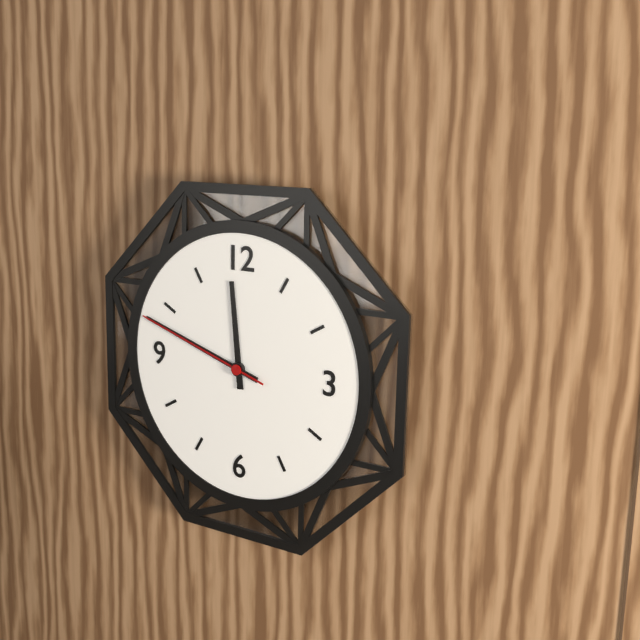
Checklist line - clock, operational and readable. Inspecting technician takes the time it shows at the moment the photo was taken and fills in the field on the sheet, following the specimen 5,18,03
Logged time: 11,48,48
